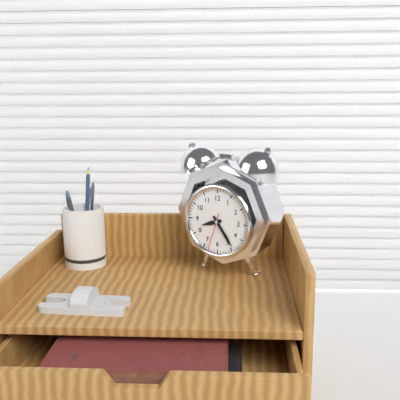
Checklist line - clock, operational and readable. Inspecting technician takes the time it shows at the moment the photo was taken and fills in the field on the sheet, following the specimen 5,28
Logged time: 8,24
